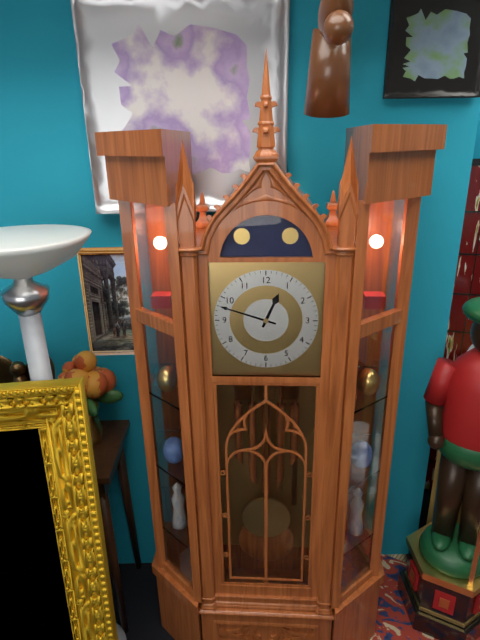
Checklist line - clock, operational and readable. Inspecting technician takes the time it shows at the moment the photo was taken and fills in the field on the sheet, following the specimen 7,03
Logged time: 12,48
